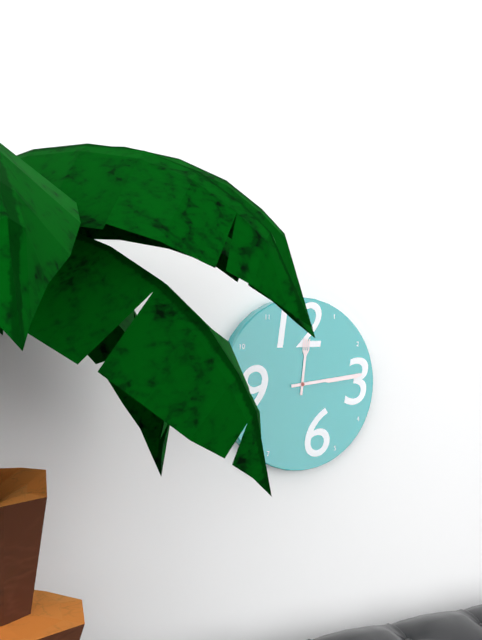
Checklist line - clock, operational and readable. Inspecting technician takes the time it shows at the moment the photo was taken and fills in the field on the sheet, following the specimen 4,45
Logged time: 12,14
